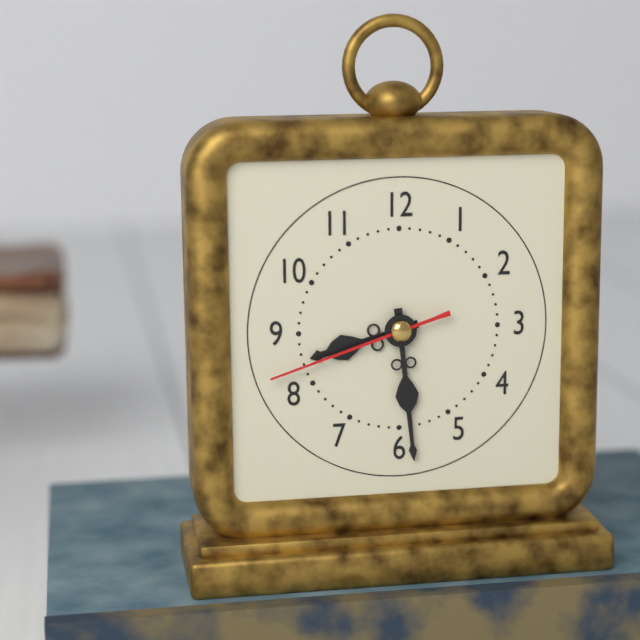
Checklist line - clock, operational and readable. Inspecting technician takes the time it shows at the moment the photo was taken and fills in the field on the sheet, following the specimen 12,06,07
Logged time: 8,29,42
